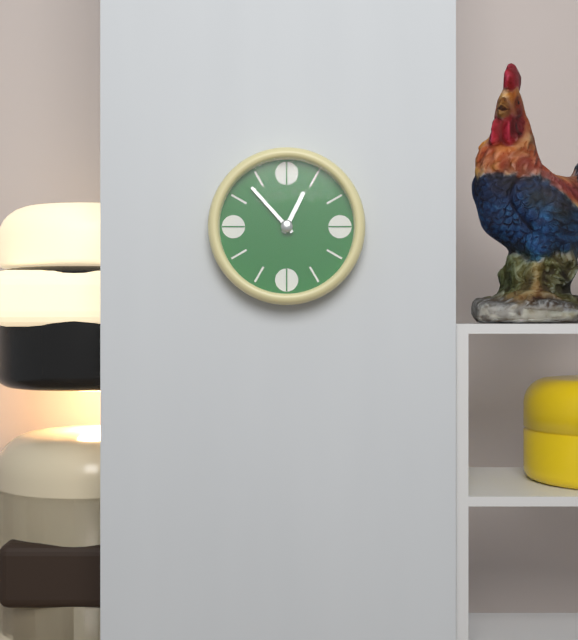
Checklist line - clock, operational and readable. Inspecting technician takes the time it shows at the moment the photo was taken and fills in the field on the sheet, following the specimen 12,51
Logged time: 12,53
